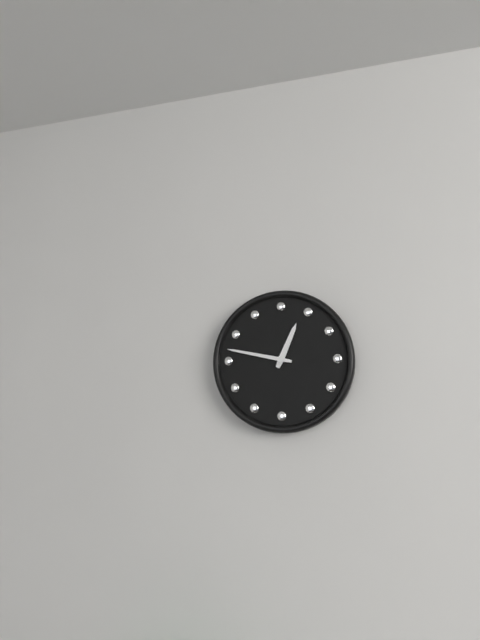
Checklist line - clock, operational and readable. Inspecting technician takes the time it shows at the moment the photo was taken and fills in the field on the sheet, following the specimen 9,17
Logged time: 12,47
